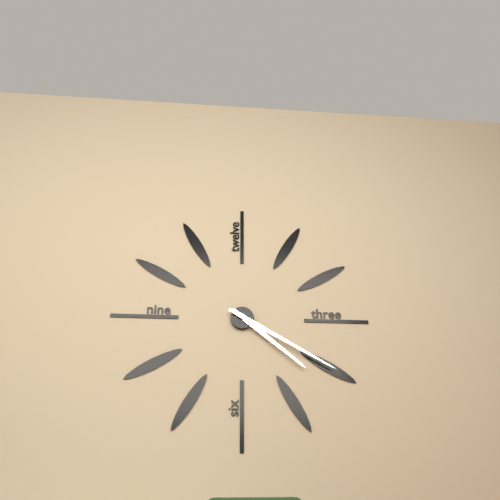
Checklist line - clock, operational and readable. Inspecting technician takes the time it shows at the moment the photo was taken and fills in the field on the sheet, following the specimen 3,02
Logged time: 4,20
